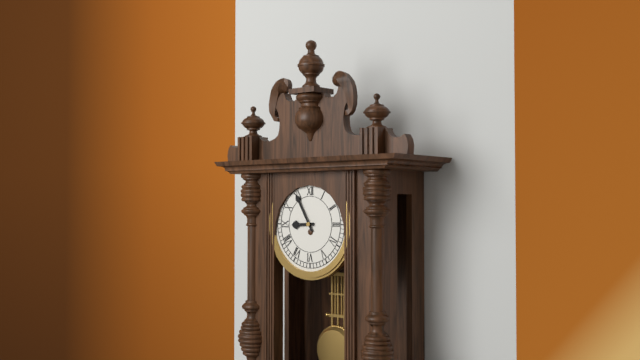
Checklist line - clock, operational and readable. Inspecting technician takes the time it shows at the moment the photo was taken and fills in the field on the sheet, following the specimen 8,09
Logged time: 8,55
